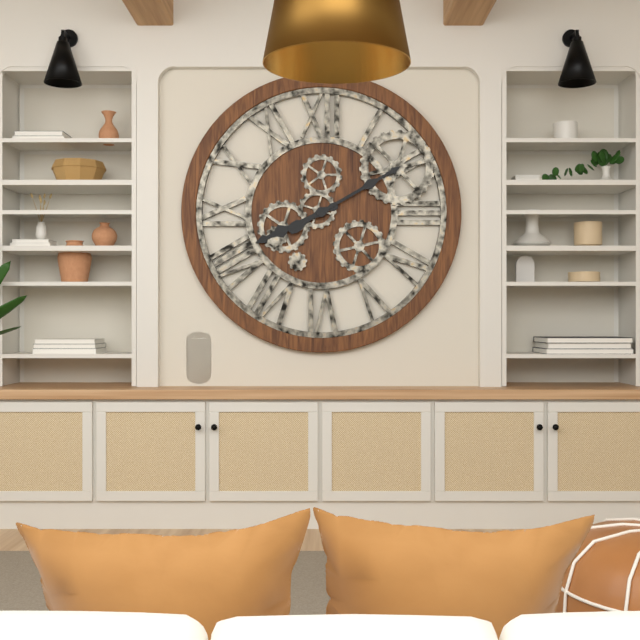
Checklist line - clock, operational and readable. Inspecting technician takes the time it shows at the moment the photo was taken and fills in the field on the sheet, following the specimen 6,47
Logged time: 8,10
